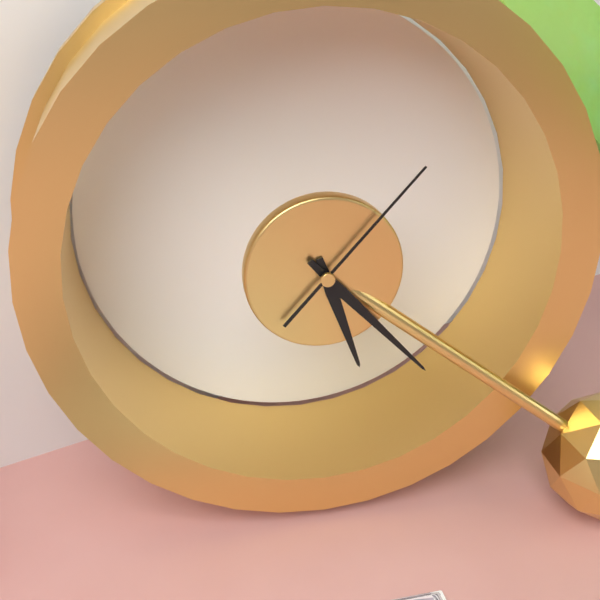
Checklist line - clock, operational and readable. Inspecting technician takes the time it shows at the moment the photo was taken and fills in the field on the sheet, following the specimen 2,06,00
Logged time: 5,23,07
